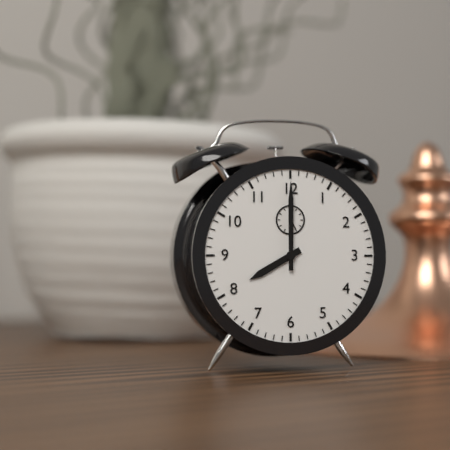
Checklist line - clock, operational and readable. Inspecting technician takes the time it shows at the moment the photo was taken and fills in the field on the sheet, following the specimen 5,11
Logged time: 8,00
